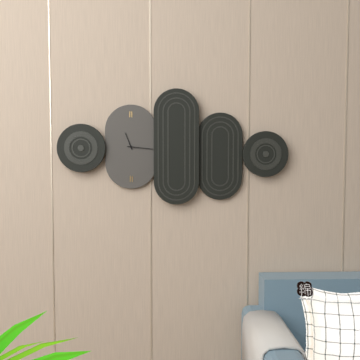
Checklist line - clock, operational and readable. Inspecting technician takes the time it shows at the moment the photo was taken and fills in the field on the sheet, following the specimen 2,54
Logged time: 11,16
